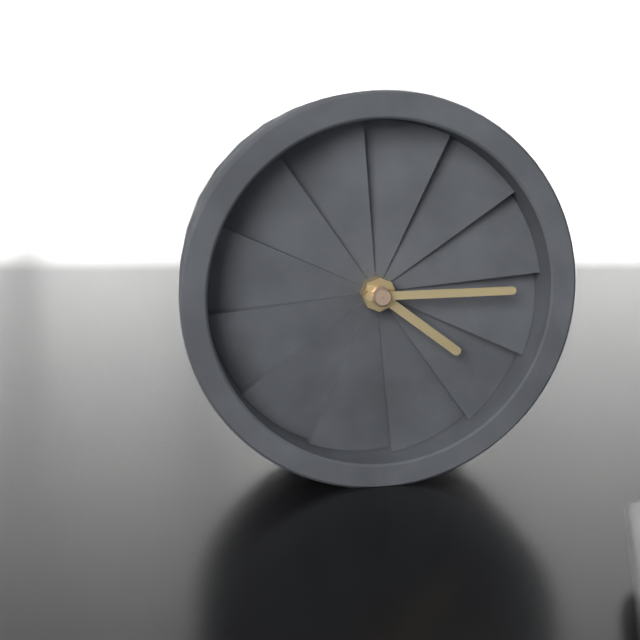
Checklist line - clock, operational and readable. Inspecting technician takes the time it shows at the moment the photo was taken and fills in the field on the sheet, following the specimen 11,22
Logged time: 4,15
